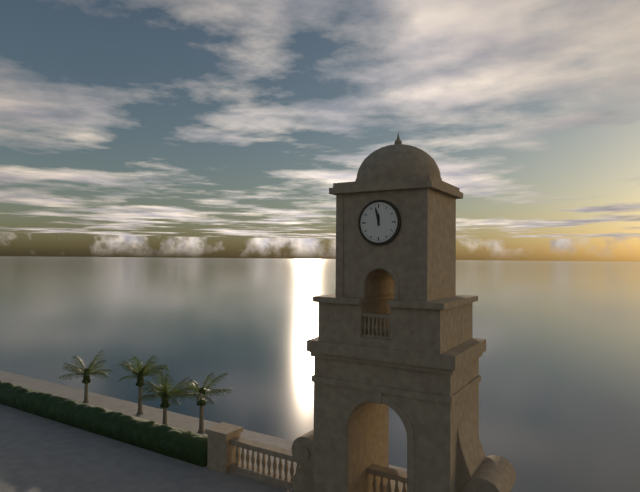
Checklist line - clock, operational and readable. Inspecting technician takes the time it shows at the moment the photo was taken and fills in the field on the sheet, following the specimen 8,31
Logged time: 11,58
